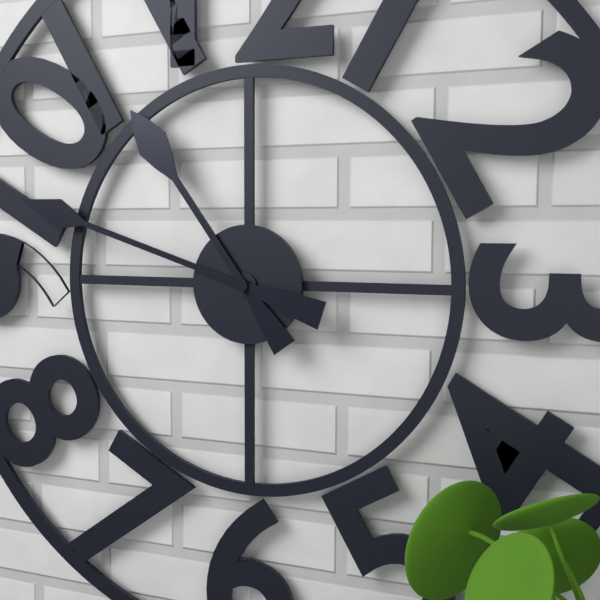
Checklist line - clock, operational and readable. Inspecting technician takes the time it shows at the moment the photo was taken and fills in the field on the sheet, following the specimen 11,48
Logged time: 10,48
